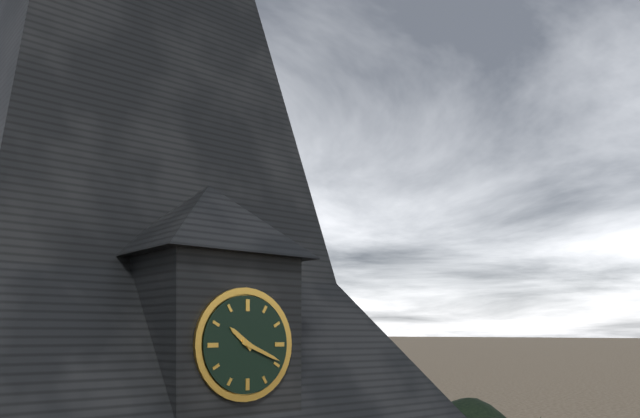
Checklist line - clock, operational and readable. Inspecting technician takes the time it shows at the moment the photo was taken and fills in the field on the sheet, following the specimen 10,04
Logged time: 10,19
